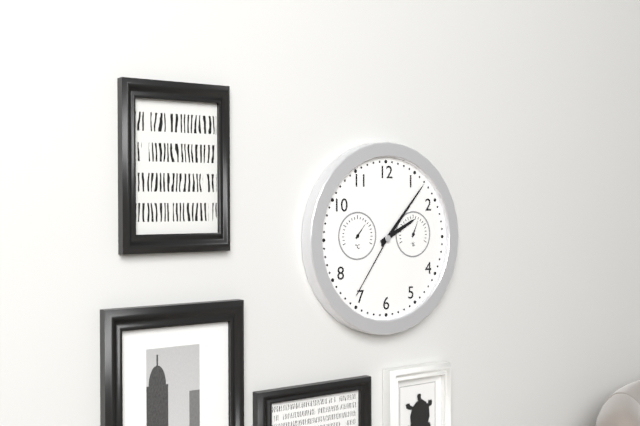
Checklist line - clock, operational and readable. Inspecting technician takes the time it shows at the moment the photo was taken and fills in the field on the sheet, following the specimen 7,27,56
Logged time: 2,07,36
